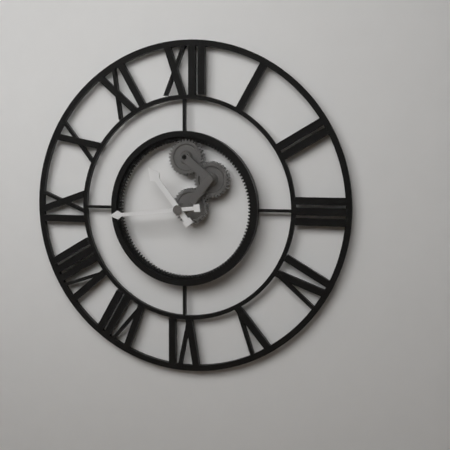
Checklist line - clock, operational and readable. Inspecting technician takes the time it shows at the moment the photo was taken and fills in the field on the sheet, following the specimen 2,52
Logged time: 10,44
